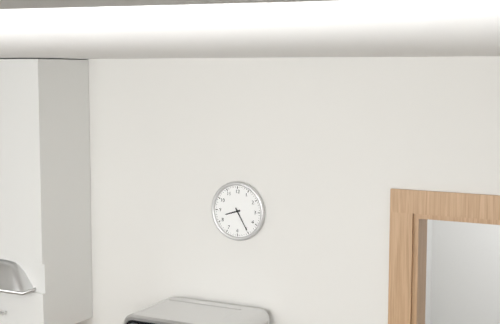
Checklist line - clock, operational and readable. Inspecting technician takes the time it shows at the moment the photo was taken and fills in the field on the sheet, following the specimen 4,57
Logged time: 8,25
